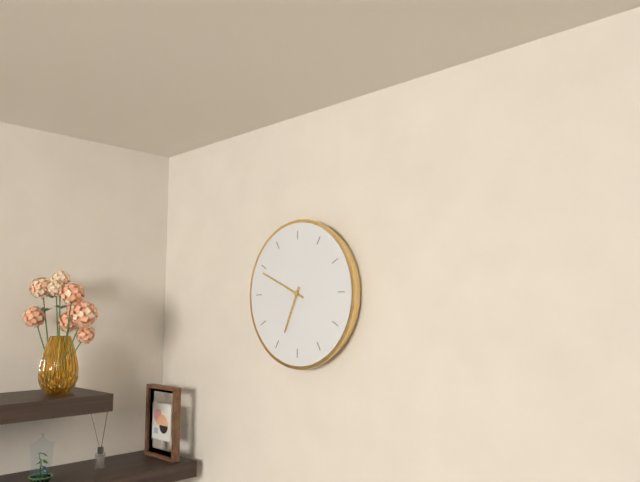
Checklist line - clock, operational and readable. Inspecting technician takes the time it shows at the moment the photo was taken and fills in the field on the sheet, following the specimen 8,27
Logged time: 6,49
